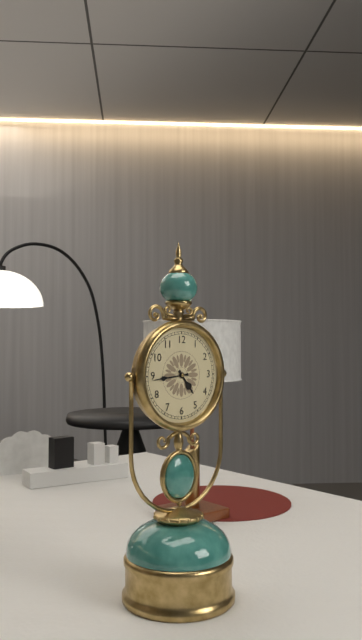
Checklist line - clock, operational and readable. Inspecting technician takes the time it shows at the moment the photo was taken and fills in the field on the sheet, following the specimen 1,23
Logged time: 4,44
